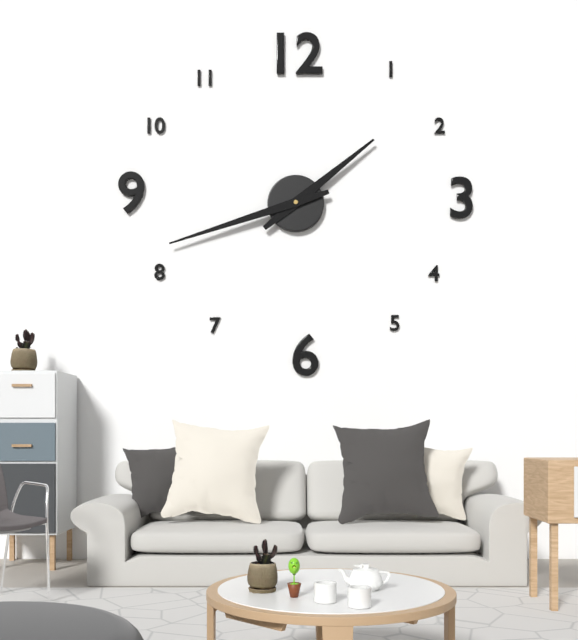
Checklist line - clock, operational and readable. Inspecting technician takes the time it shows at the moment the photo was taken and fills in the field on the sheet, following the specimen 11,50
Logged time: 1,42
